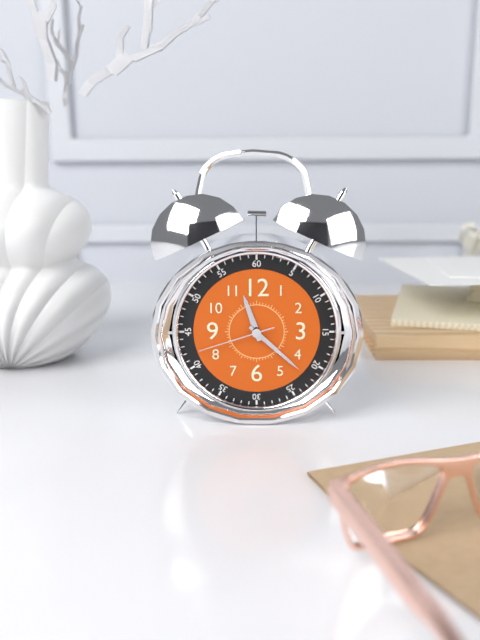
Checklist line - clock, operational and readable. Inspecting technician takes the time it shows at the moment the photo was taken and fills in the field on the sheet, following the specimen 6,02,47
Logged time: 11,22,42
